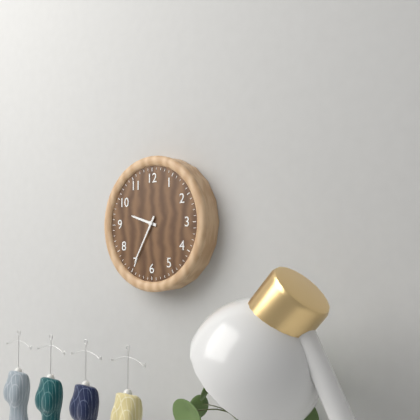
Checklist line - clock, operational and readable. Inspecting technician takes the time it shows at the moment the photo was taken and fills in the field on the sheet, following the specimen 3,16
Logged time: 9,35
